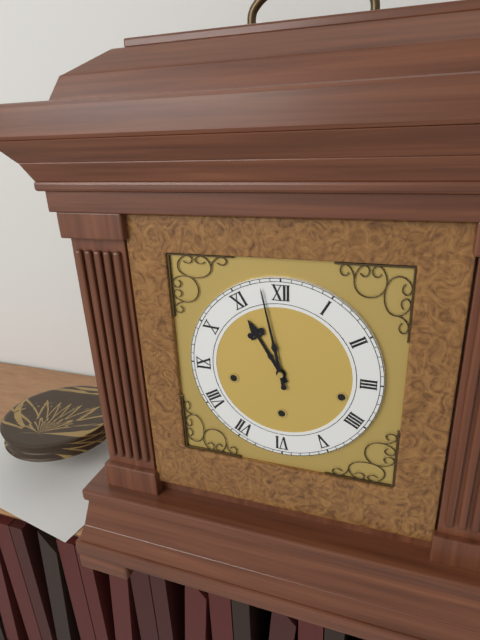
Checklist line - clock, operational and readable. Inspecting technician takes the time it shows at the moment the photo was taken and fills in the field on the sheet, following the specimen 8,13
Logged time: 10,58
